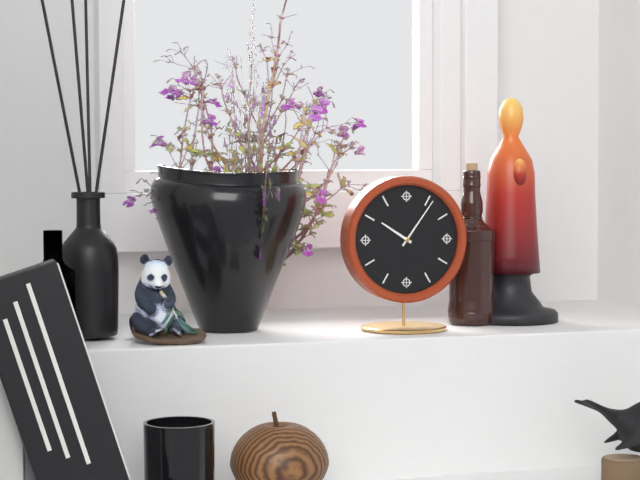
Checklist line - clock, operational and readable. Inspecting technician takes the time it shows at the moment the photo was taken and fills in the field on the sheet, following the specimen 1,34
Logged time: 10,06
